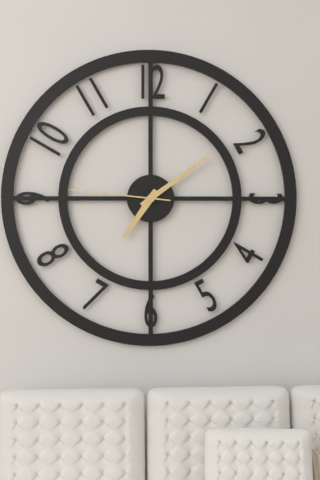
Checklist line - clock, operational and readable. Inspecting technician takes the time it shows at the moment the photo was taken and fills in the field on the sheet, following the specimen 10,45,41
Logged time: 7,09,46
